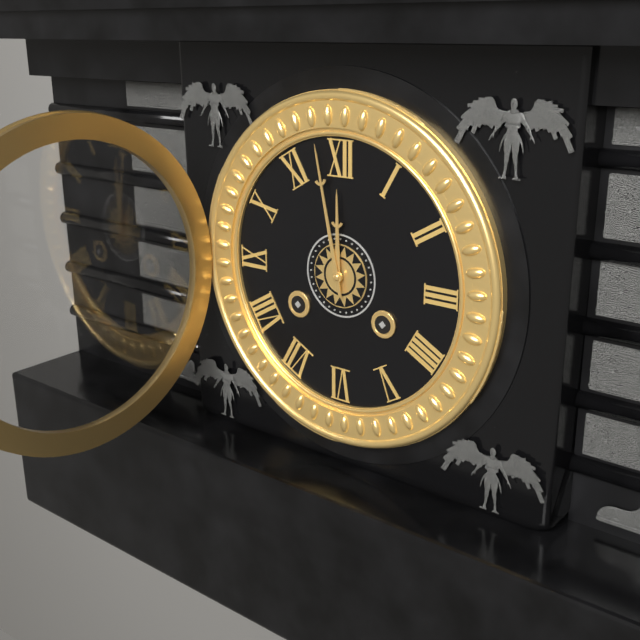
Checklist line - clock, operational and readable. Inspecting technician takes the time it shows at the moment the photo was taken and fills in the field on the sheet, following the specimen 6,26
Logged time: 11,58
